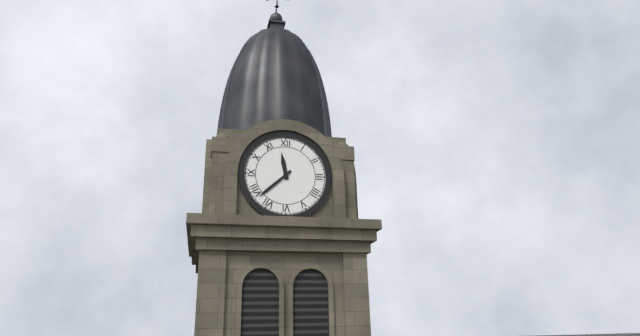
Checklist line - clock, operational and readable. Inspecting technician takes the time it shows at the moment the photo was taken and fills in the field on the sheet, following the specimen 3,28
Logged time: 11,38
